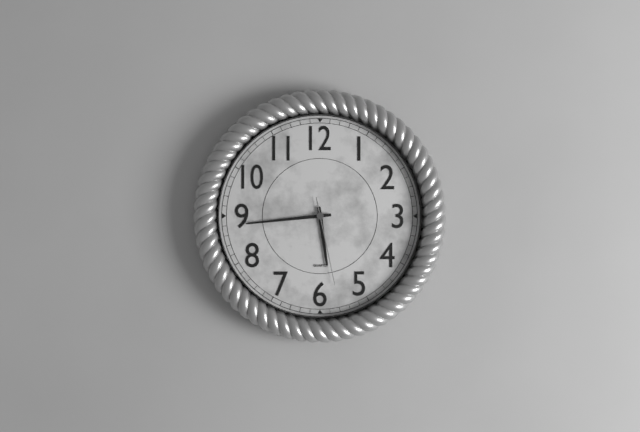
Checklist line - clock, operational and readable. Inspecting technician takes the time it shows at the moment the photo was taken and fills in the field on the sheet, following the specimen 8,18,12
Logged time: 5,44,28
